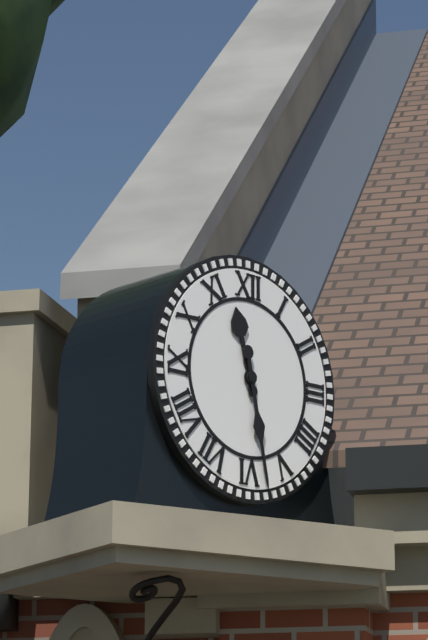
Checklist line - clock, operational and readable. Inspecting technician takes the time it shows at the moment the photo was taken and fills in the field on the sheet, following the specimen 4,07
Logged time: 11,28
